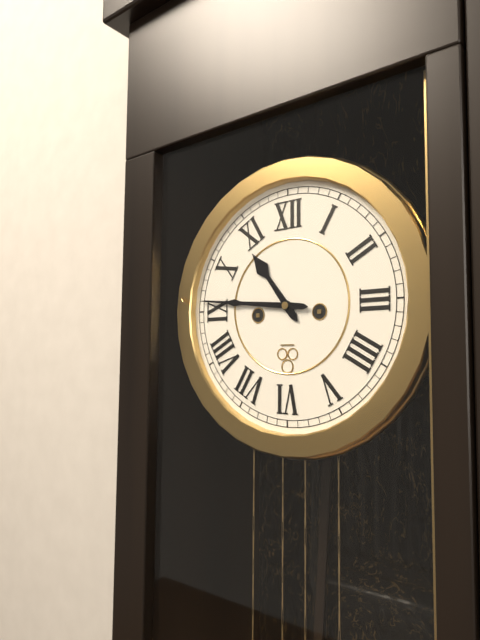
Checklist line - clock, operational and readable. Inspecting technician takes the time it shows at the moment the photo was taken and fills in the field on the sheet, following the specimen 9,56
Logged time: 10,46
